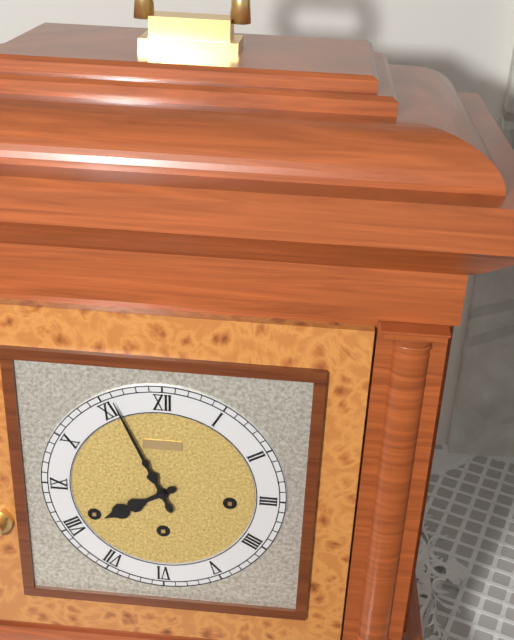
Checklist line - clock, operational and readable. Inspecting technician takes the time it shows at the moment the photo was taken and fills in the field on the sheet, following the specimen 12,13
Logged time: 7,56
